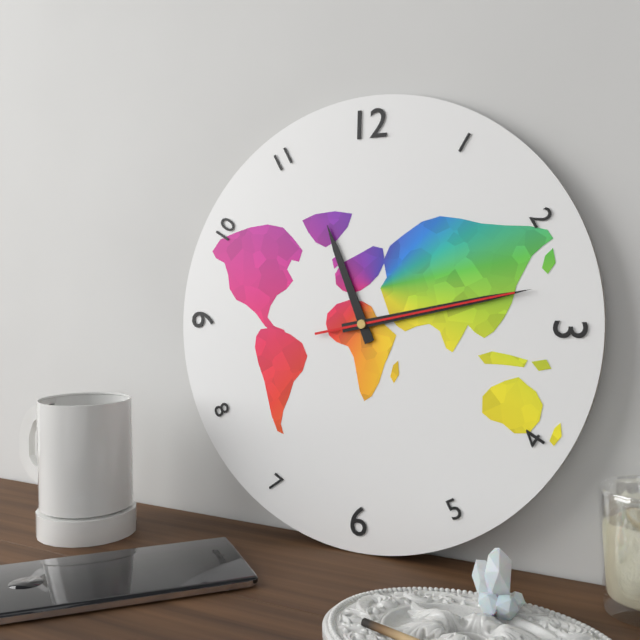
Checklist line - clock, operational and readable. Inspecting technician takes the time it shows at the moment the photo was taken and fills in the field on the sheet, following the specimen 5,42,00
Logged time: 11,13,13
